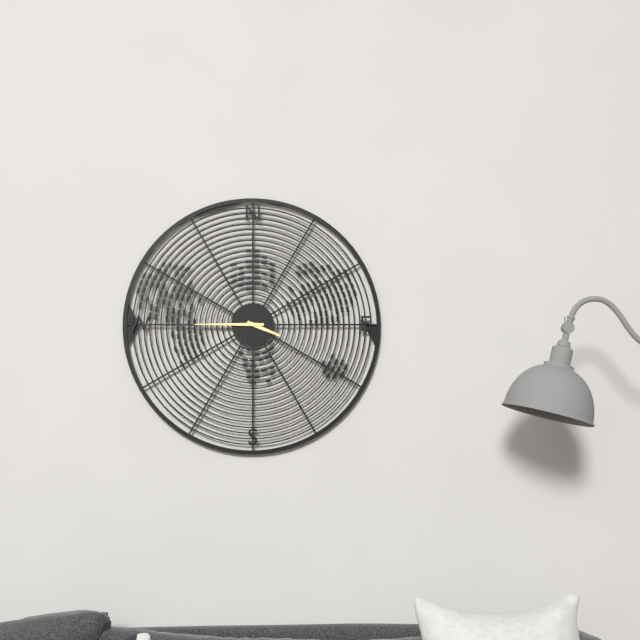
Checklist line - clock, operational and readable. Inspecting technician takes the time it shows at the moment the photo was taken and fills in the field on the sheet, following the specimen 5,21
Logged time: 3,45
